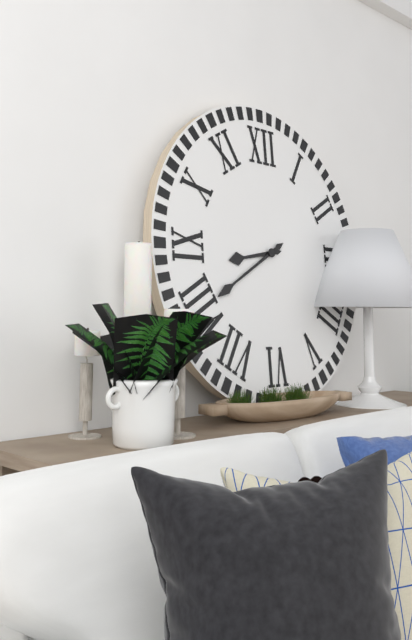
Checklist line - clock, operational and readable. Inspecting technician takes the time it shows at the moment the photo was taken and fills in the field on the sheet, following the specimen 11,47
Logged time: 8,40
